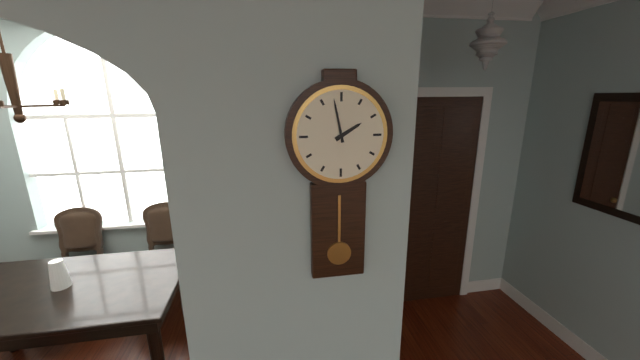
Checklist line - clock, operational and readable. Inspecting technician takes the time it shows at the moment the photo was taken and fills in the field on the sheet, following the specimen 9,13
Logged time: 1,58
